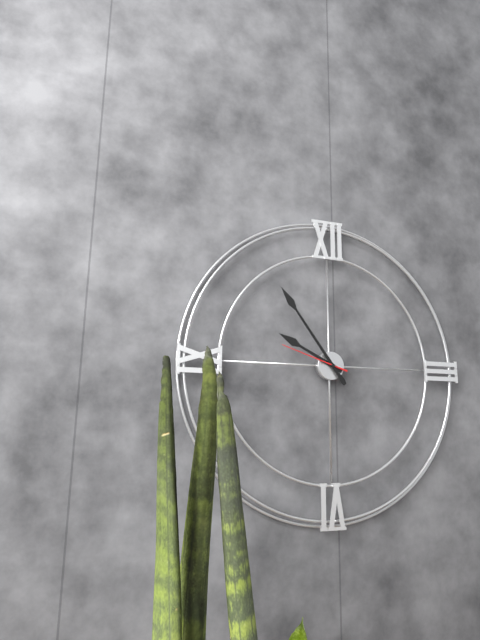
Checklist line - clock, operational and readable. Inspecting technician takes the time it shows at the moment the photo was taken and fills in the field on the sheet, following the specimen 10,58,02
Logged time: 9,54,48
